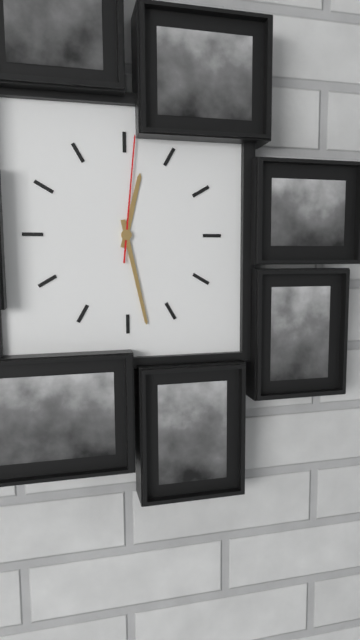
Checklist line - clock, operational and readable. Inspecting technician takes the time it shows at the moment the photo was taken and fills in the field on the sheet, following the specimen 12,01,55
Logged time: 12,28,01
